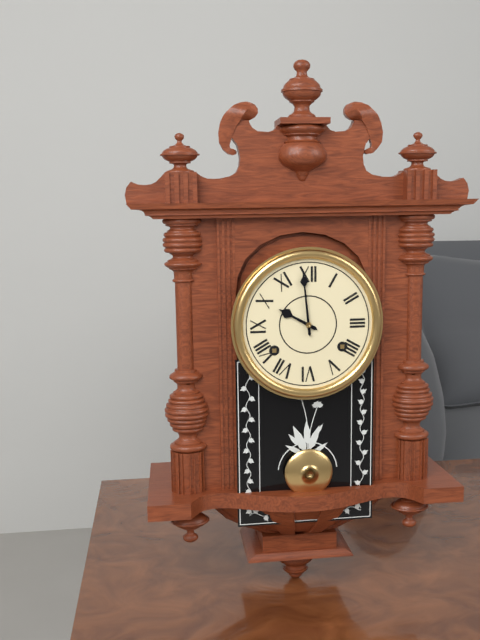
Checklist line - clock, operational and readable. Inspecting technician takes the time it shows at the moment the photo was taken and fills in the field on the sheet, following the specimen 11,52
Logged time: 9,59
